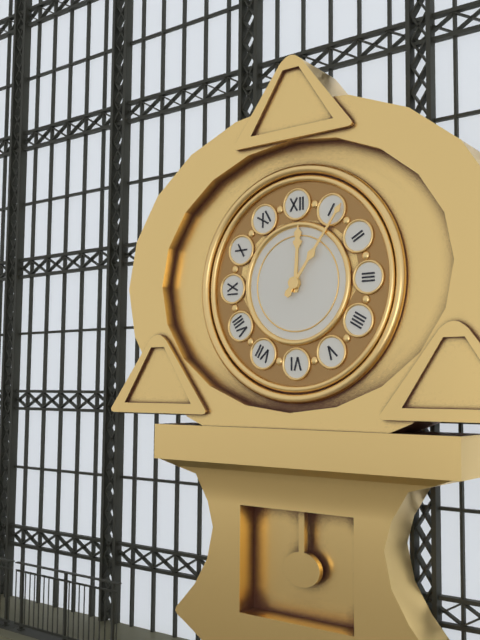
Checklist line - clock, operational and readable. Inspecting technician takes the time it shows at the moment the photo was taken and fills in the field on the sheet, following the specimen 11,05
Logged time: 12,06
